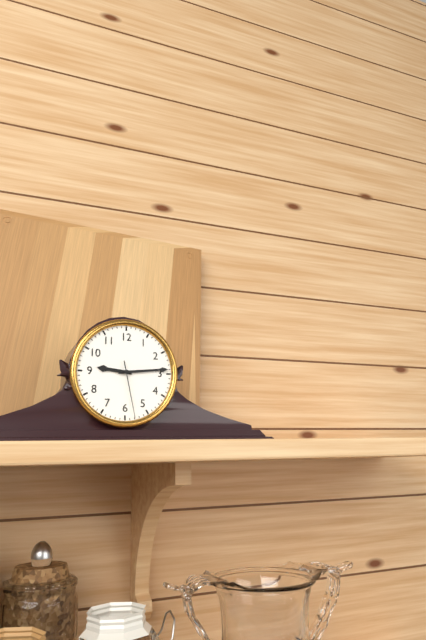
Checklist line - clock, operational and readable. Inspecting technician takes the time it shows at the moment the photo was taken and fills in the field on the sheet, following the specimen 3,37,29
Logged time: 9,14,28
